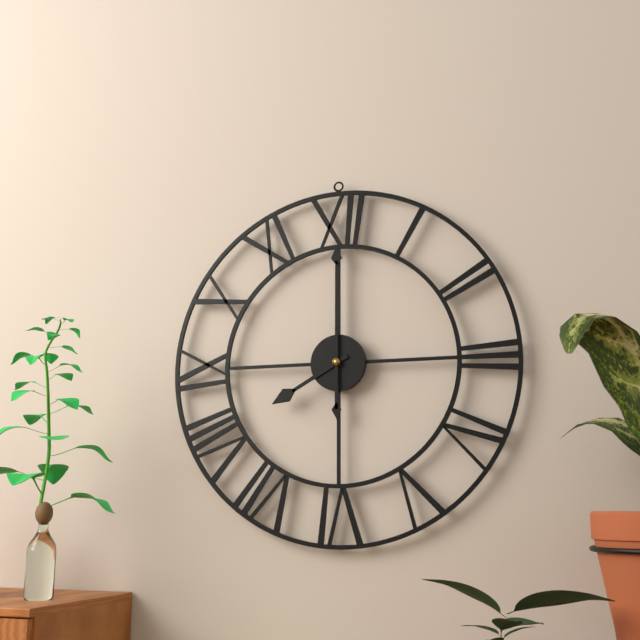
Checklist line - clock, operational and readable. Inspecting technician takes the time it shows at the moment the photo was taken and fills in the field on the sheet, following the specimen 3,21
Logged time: 8,00
